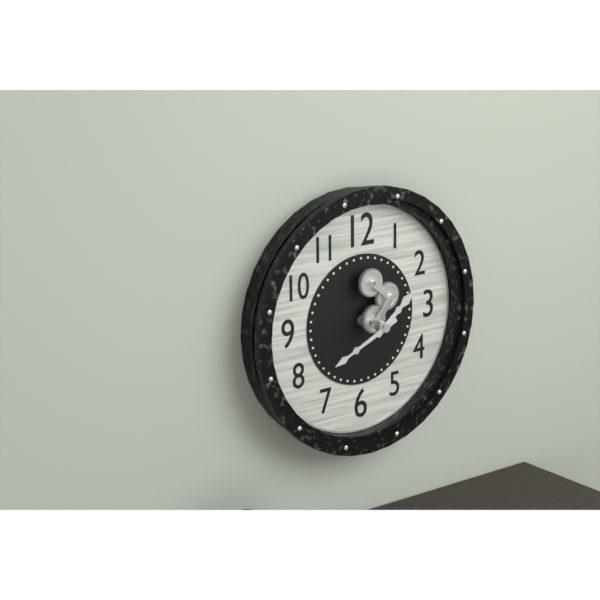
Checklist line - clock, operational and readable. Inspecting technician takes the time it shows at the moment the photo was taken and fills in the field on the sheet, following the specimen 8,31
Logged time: 1,41
